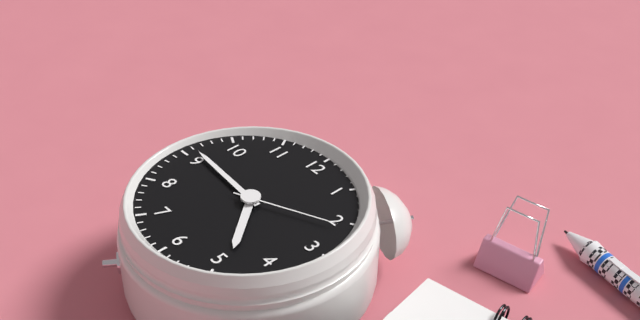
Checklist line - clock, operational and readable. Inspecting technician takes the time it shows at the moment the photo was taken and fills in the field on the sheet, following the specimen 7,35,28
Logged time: 4,46,11
